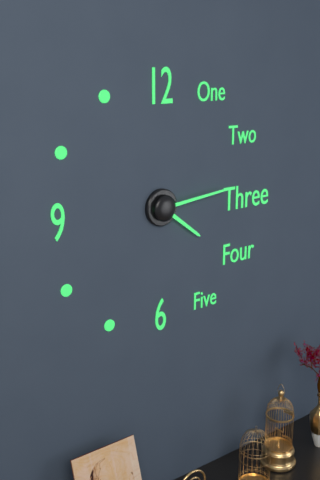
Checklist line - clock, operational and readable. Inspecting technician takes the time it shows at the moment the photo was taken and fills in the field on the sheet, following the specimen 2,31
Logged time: 4,14
